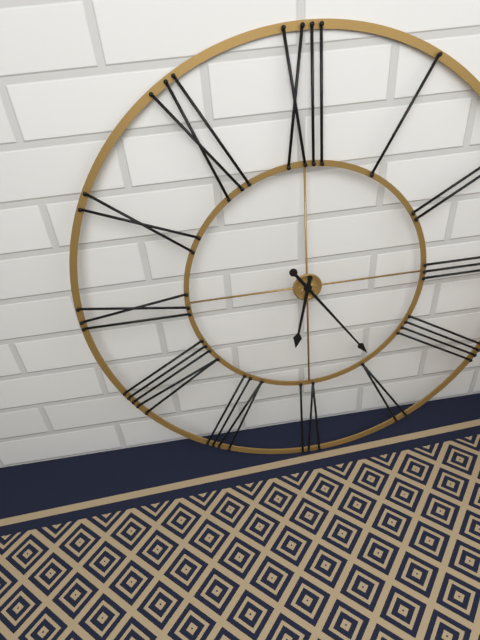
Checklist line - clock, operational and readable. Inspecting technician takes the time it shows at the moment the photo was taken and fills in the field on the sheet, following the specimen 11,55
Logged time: 6,24
